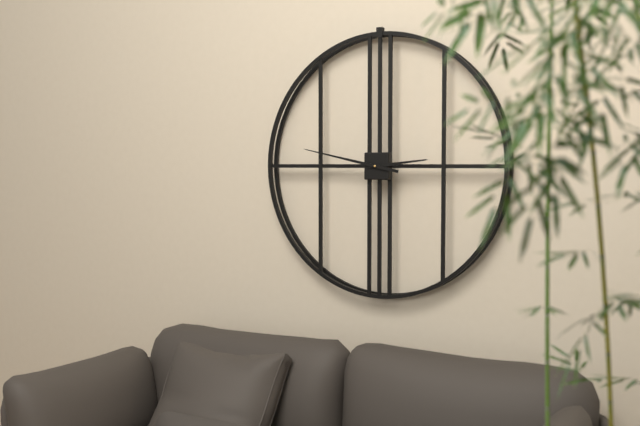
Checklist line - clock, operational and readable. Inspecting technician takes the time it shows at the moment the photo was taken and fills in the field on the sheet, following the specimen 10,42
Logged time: 2,47
